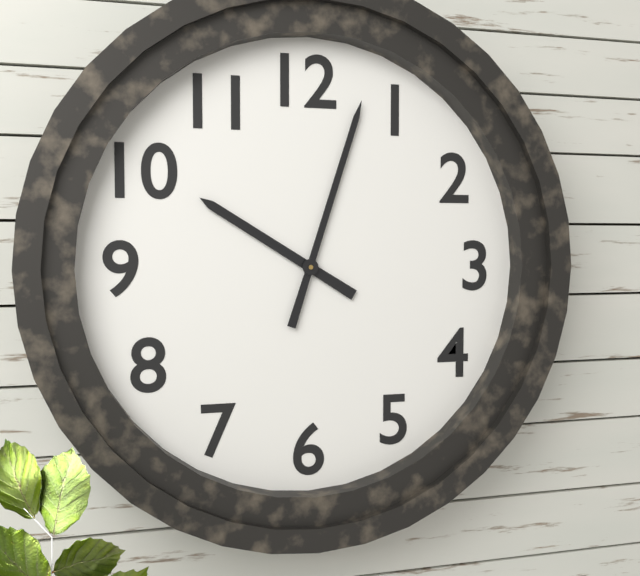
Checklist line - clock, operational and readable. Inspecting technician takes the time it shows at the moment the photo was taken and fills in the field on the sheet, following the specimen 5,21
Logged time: 10,03
